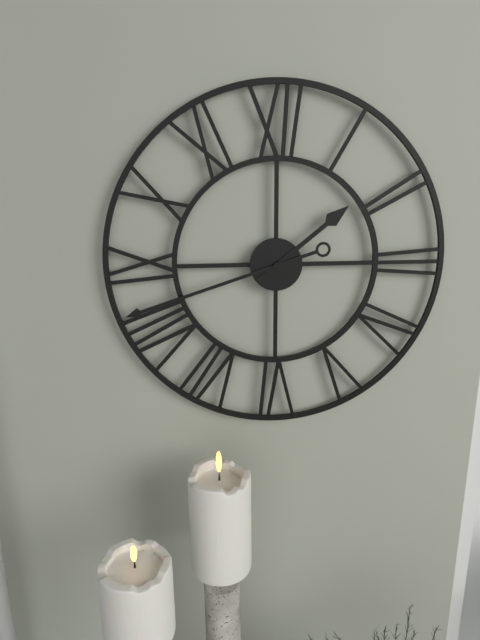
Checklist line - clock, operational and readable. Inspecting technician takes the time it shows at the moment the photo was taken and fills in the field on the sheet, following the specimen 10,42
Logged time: 1,42
